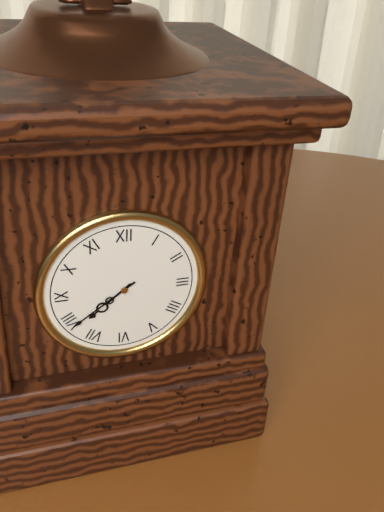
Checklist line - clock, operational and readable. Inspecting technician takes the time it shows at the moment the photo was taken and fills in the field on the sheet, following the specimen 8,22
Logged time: 7,39
